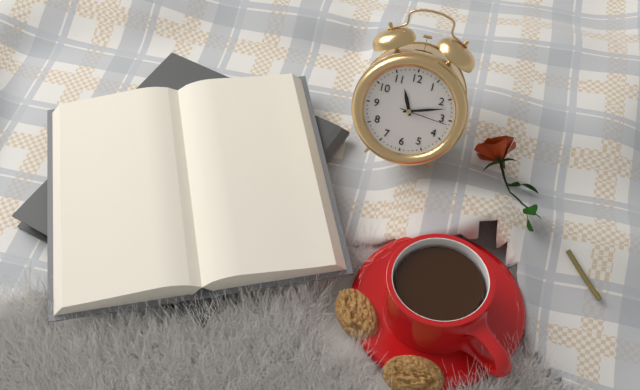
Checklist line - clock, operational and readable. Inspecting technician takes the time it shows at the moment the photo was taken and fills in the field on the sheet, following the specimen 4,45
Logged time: 11,12
